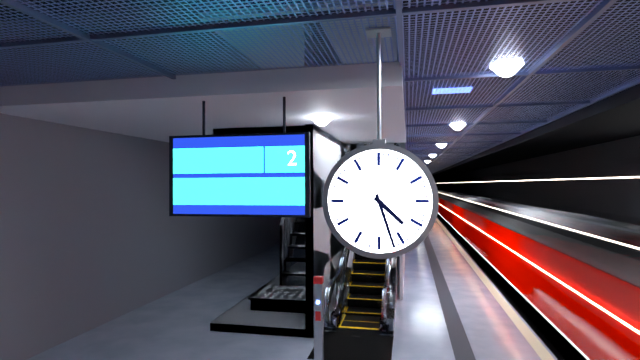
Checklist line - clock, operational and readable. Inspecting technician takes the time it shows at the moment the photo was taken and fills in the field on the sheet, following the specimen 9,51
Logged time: 4,27
